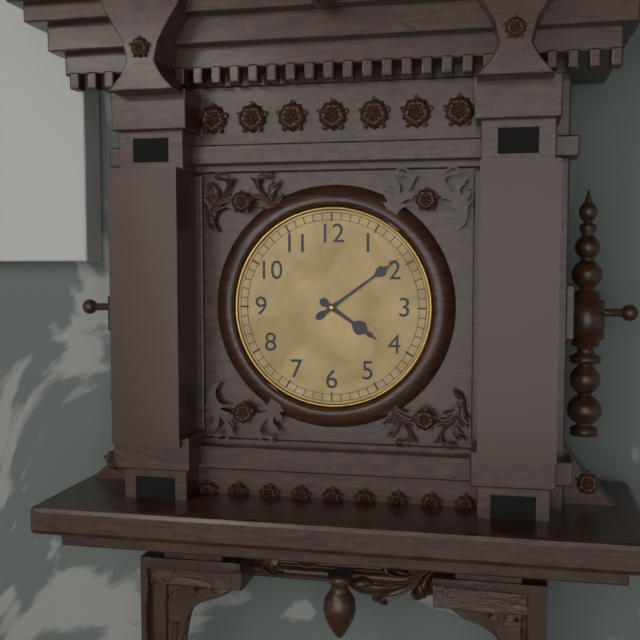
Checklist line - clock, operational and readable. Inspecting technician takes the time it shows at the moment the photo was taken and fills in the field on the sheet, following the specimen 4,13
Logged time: 4,09
